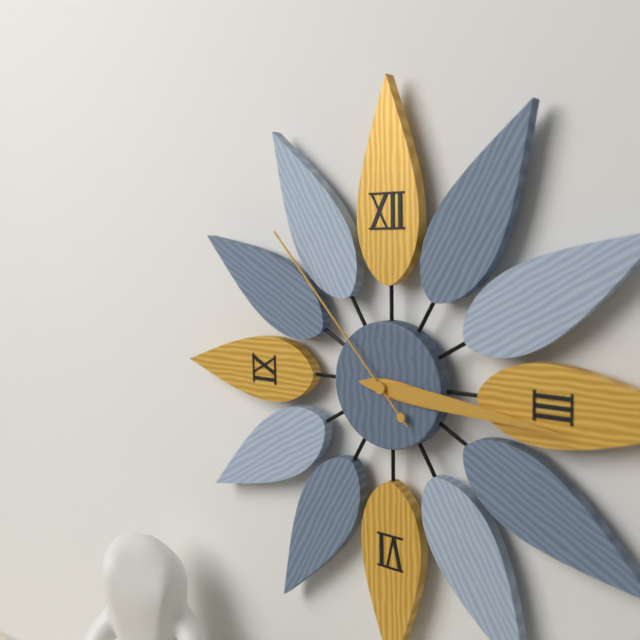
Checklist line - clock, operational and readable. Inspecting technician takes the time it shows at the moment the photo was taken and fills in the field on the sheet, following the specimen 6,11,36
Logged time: 3,16,53
